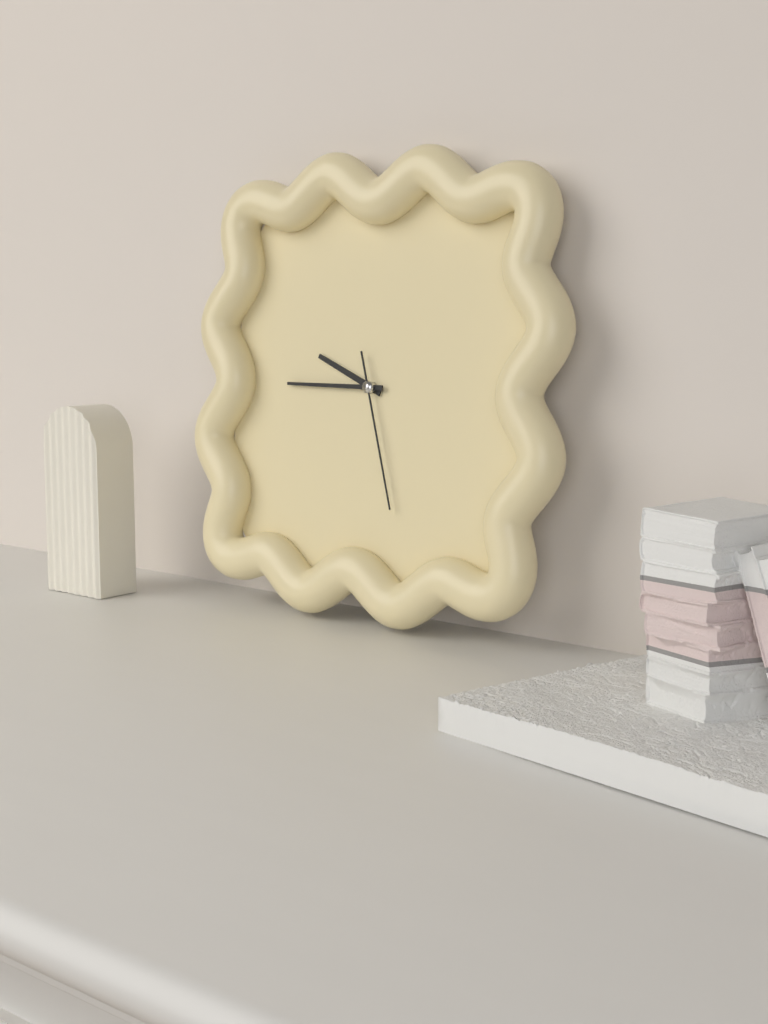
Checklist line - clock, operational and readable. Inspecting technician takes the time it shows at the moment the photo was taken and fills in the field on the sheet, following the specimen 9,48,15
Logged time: 9,45,27
